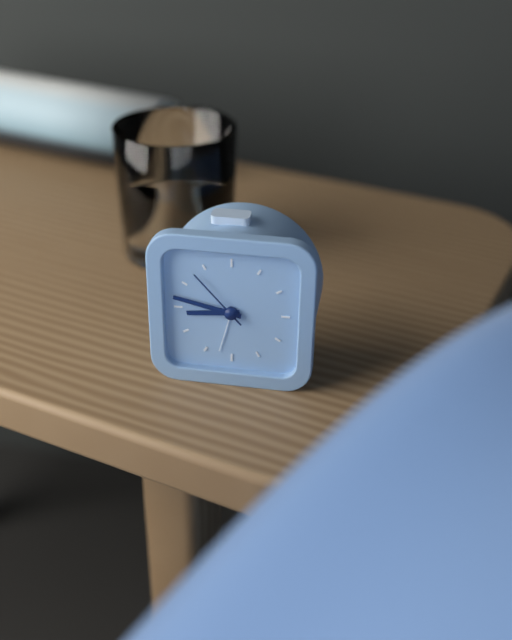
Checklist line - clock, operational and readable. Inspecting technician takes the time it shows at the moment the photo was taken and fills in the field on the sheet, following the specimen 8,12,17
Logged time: 8,47,53
